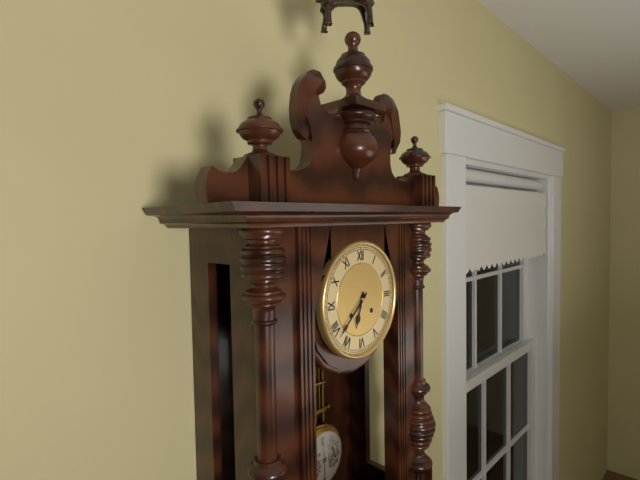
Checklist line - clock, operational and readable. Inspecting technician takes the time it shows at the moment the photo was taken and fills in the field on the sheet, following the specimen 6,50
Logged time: 6,38
